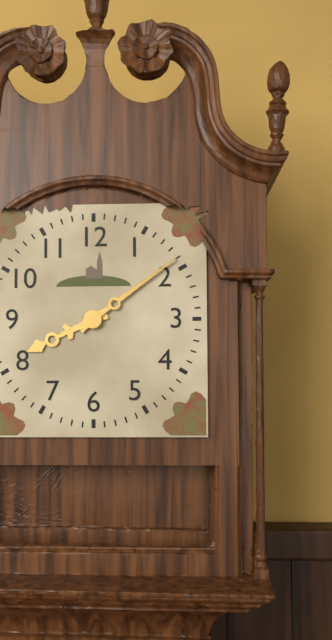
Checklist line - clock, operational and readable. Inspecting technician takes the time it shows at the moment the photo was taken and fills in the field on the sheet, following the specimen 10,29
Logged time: 8,09
